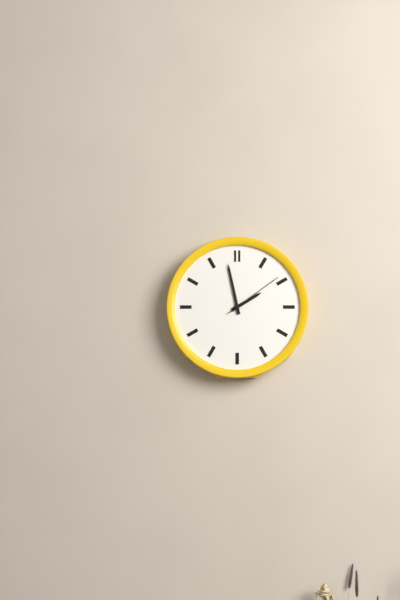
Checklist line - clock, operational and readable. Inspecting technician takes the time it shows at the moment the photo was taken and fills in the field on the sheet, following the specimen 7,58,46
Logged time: 1,58,09
